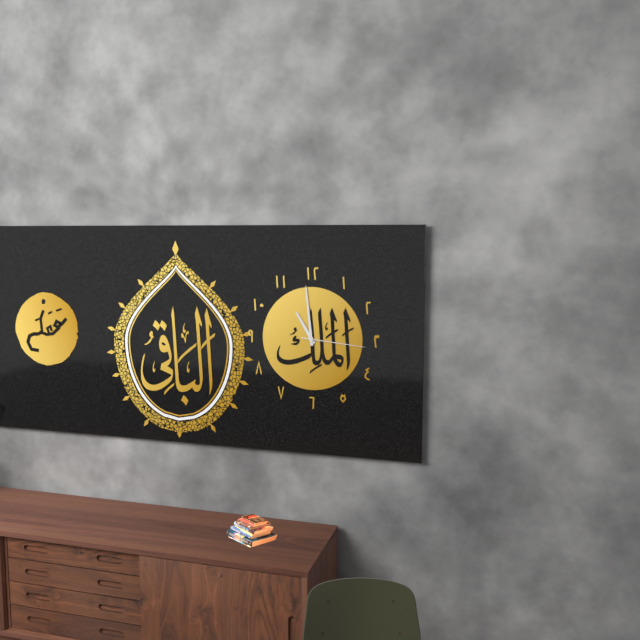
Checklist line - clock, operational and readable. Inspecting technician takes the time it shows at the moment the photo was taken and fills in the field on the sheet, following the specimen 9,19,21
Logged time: 10,59,16
